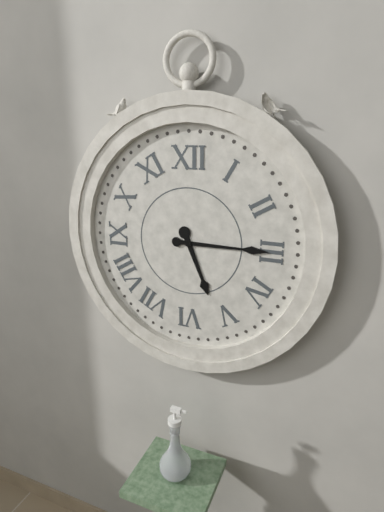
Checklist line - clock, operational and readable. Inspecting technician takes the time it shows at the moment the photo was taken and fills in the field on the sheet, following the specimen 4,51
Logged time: 5,15
